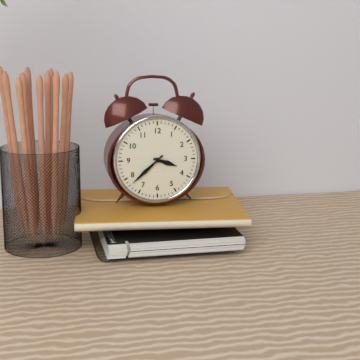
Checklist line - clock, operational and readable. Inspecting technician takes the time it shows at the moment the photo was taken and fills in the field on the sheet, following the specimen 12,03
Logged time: 3,38
